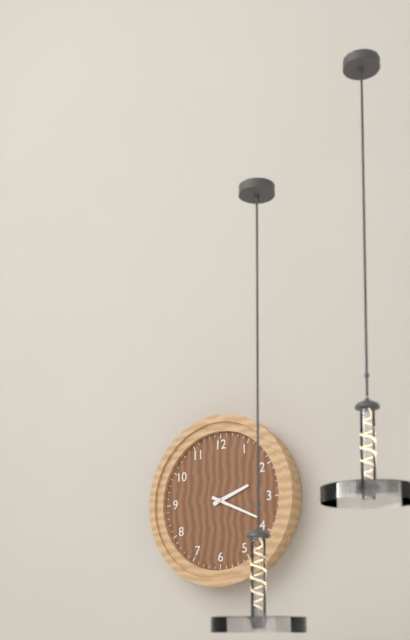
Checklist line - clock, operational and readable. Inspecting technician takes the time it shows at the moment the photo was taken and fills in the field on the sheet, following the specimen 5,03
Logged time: 2,19
